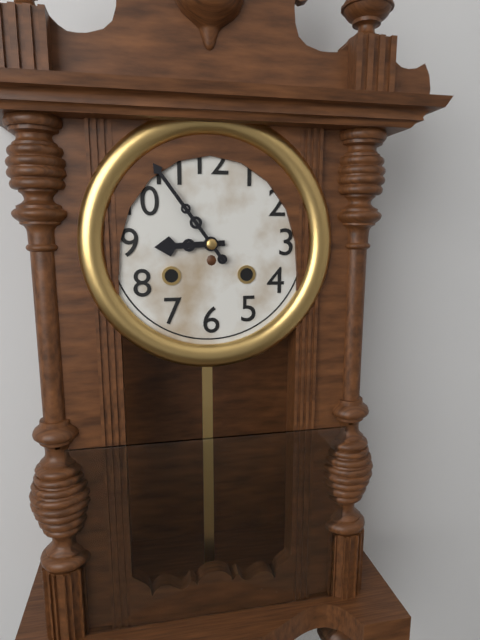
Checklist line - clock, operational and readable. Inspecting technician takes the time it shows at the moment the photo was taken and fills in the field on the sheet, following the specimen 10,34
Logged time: 8,54
